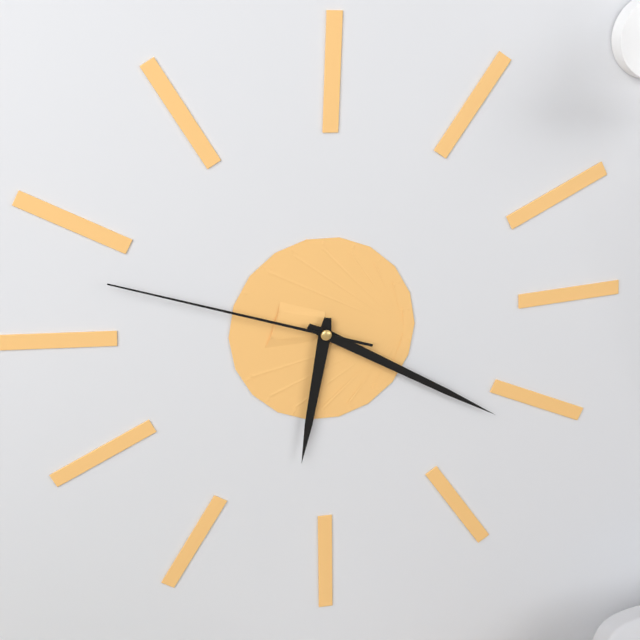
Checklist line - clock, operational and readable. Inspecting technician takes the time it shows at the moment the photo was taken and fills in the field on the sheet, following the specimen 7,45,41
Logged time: 6,20,48
